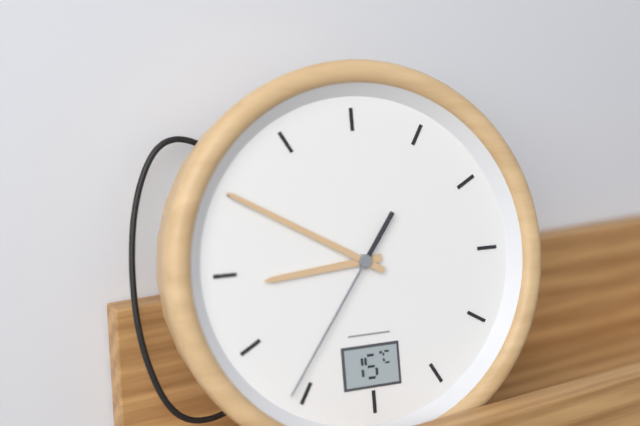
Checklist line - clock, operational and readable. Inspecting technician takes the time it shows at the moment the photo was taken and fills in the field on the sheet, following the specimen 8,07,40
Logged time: 8,50,36
